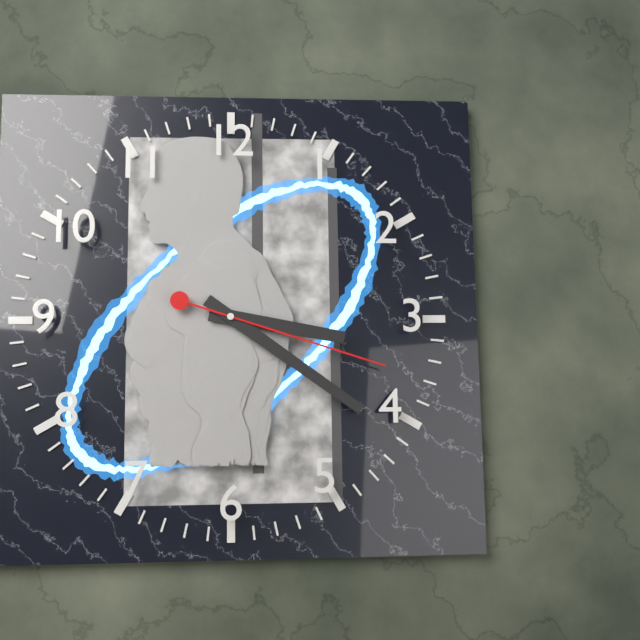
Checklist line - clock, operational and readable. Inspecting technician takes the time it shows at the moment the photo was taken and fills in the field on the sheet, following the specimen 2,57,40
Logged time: 3,21,18
